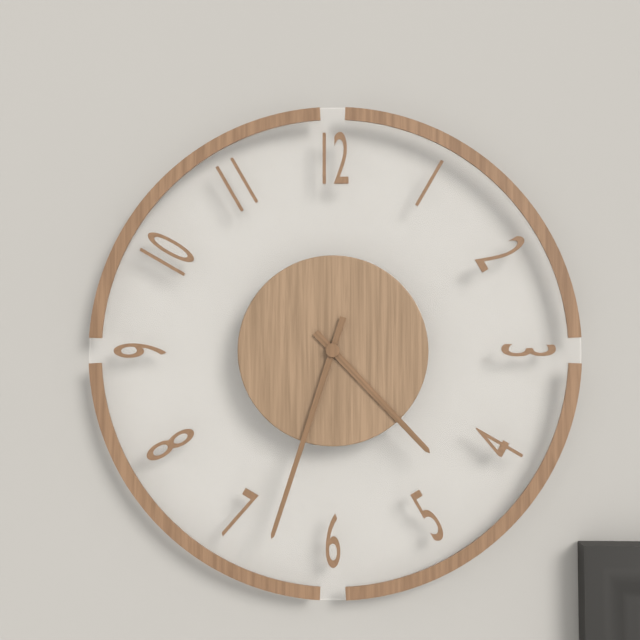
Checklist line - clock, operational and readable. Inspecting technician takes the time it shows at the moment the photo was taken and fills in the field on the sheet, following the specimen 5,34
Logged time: 4,33
